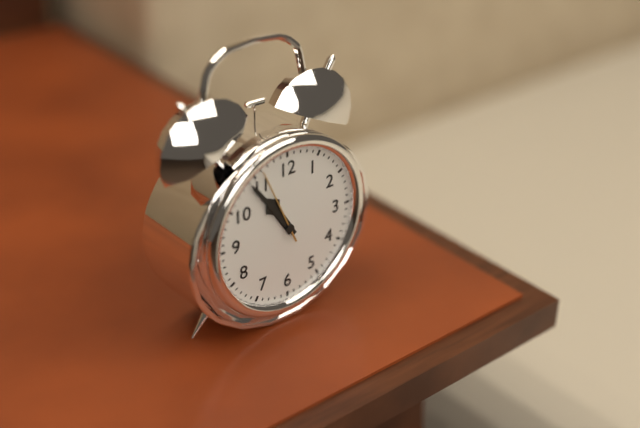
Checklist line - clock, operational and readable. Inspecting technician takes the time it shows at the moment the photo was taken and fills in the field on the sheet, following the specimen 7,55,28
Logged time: 10,54,56
